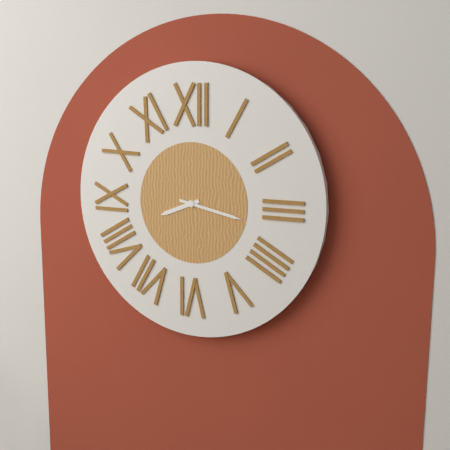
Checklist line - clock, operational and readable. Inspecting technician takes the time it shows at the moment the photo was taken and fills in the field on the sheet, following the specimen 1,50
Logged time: 8,17
